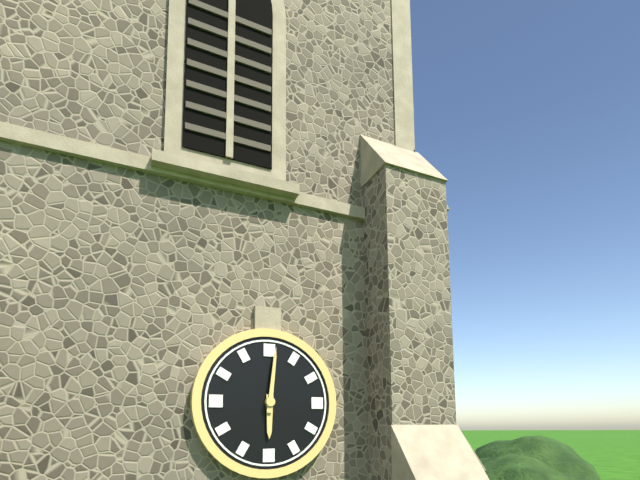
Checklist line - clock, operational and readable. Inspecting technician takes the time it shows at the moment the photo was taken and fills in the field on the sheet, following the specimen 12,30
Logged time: 6,01
